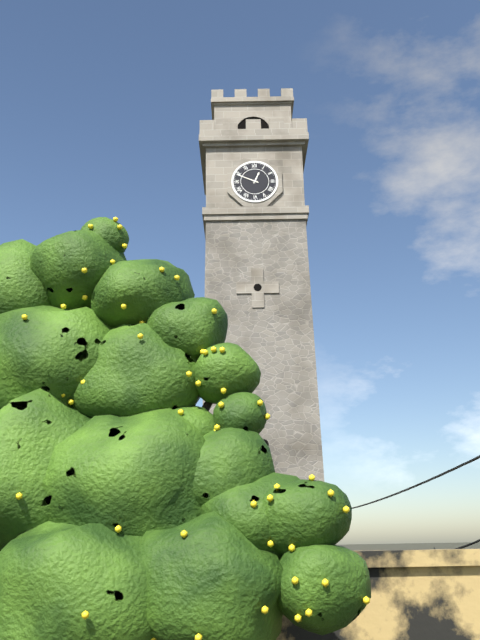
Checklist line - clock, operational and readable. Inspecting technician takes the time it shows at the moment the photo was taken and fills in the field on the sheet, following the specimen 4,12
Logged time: 12,49
